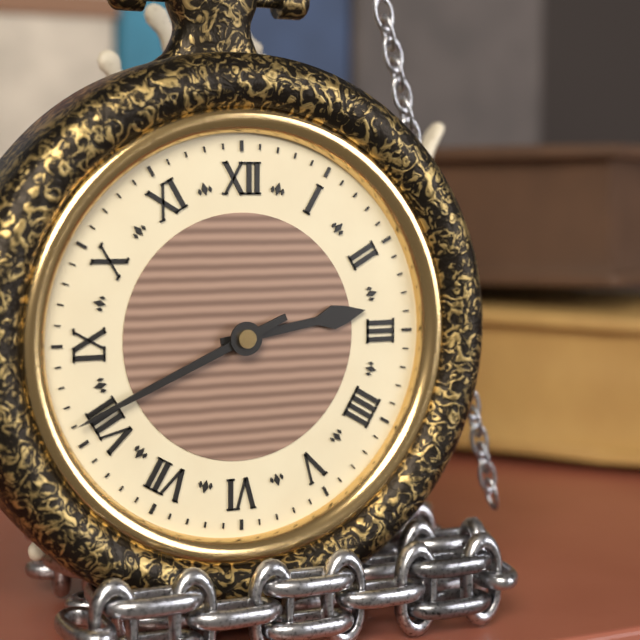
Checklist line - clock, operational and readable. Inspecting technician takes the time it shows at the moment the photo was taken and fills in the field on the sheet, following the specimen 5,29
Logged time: 2,41
